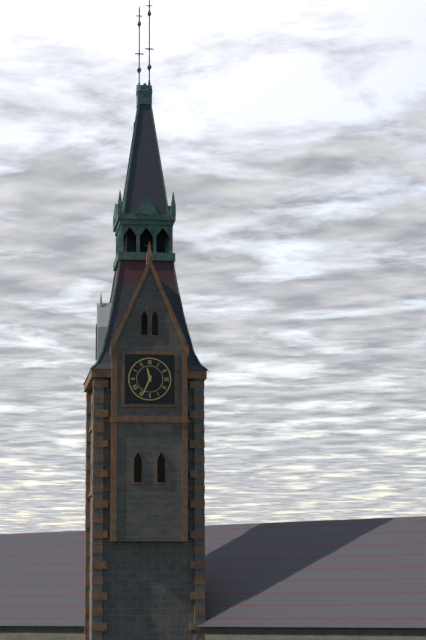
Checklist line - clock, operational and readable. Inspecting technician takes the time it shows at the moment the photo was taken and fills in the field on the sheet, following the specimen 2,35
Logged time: 11,34
